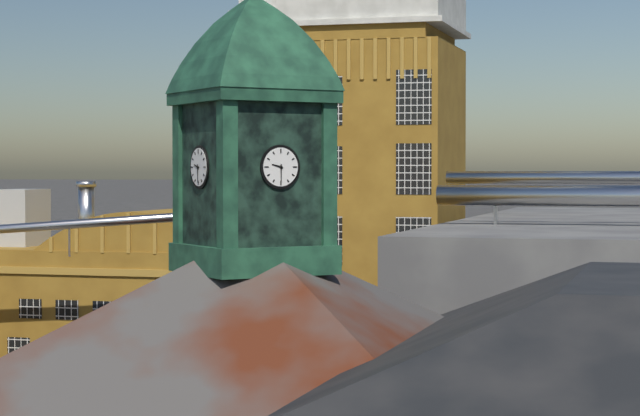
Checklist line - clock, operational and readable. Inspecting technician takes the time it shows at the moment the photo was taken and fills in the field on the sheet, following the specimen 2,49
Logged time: 9,30
